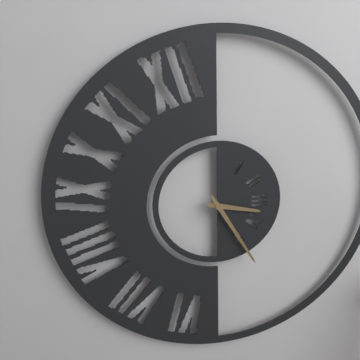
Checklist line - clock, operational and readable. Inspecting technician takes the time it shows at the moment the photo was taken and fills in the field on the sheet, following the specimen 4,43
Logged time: 3,25
